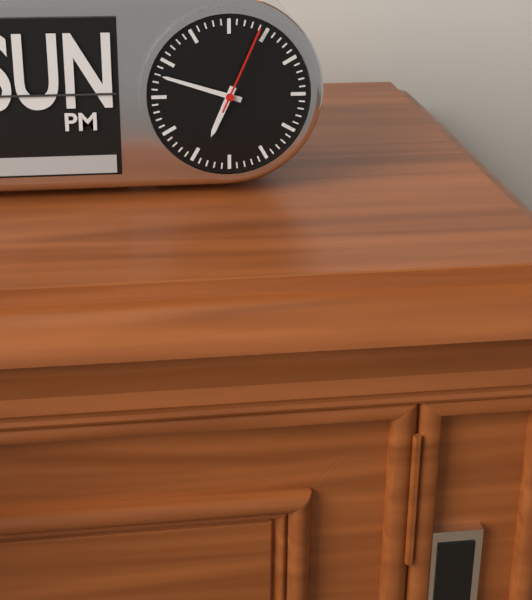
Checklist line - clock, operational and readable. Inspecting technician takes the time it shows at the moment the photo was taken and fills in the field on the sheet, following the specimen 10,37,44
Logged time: 6,48,04
